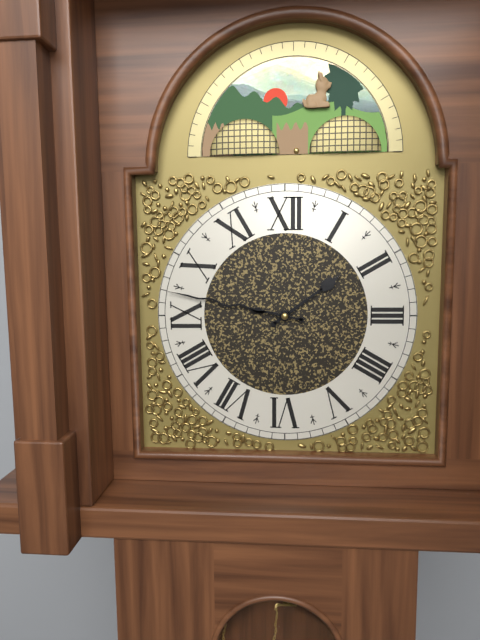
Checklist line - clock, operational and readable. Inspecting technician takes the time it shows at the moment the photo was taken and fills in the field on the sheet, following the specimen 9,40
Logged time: 1,47
